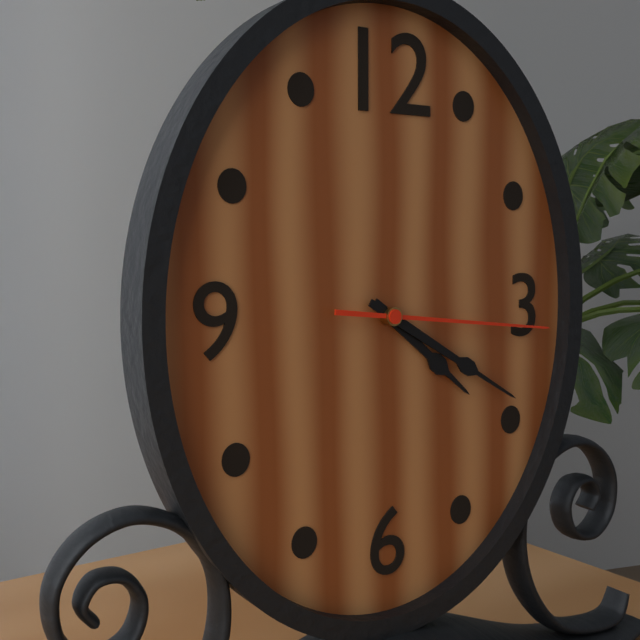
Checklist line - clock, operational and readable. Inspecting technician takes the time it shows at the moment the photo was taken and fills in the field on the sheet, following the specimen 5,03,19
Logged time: 4,20,16
